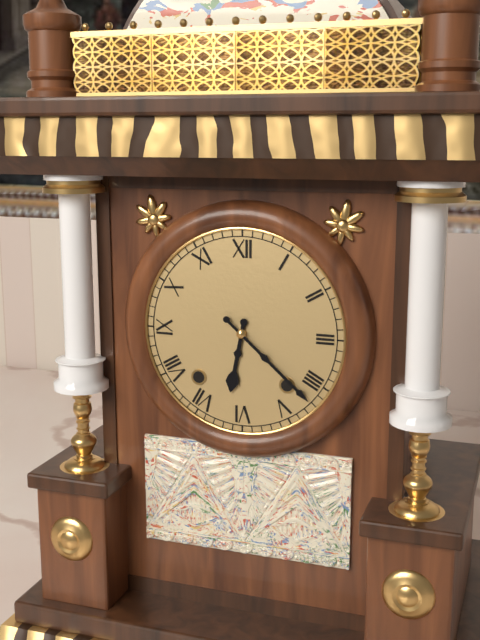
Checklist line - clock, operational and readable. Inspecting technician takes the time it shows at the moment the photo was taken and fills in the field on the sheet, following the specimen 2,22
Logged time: 6,22
